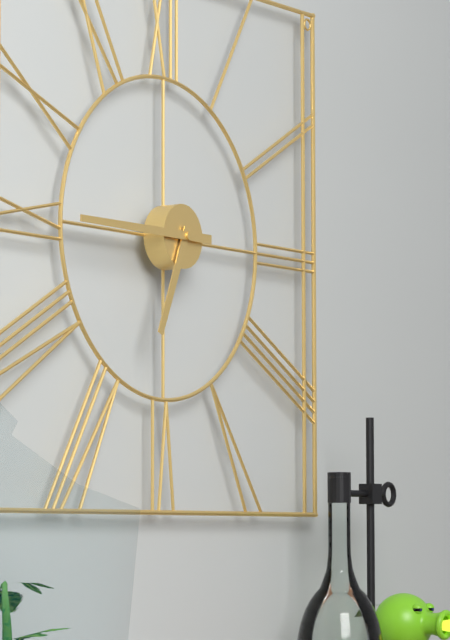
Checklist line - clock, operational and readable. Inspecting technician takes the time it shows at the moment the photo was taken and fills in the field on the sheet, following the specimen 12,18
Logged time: 6,45
